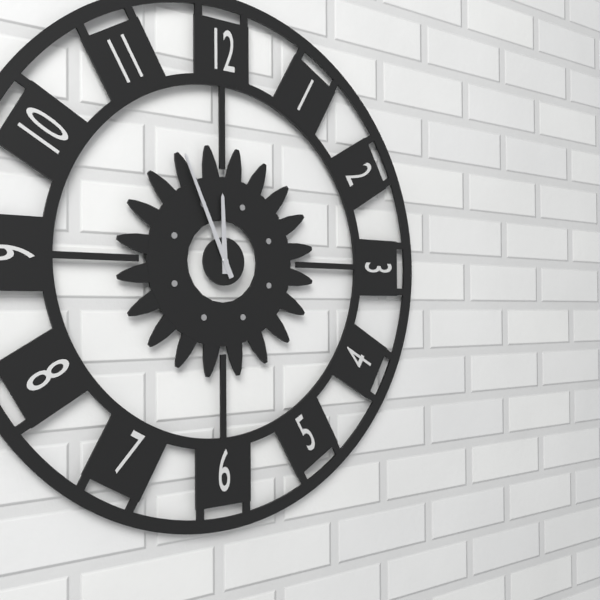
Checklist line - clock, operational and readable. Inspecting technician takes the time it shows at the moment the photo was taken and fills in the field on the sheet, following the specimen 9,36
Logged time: 11,56
